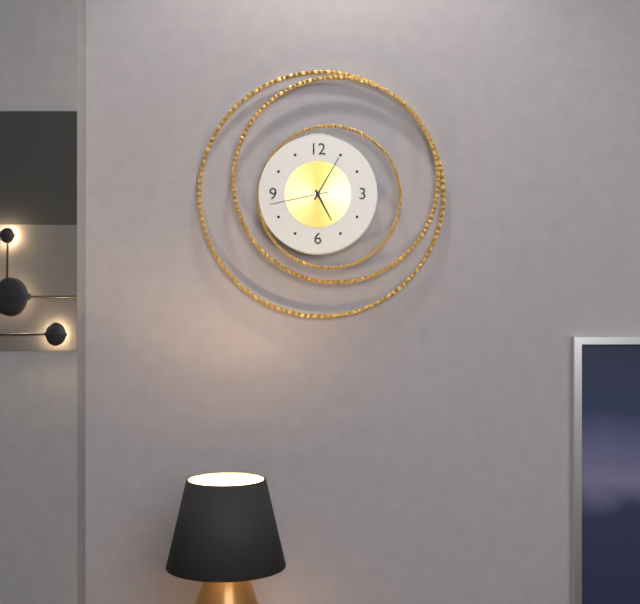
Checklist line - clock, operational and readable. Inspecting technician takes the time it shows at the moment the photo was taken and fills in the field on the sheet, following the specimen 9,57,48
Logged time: 5,05,43
